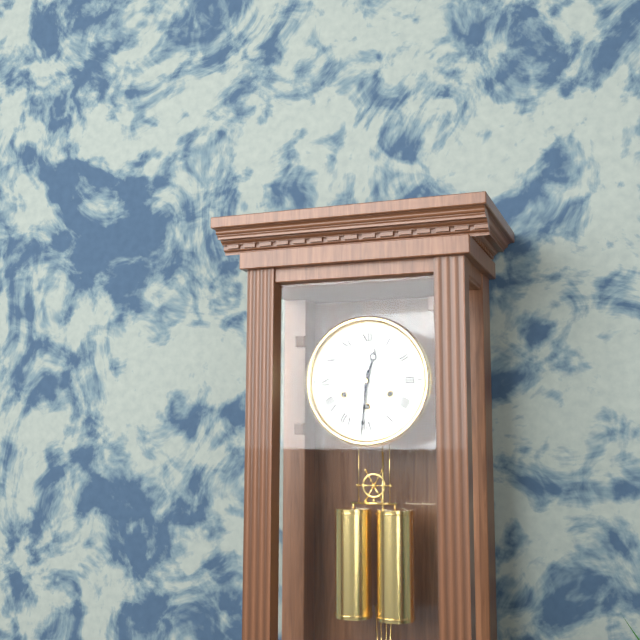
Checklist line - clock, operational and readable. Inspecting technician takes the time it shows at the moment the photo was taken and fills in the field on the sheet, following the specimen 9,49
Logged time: 12,31
